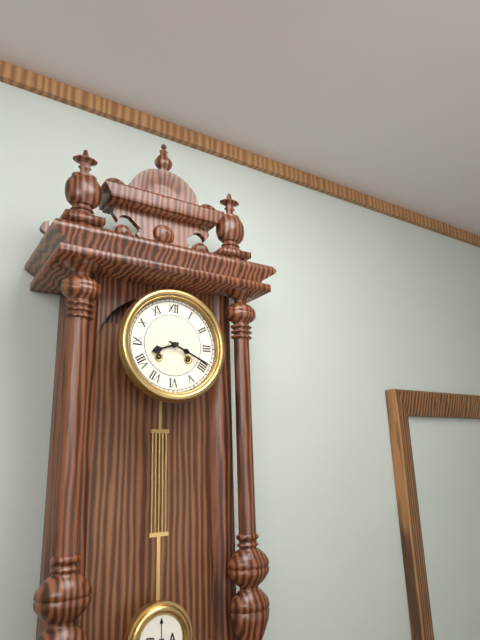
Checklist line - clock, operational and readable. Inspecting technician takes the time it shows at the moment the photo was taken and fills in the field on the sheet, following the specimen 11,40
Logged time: 8,19
